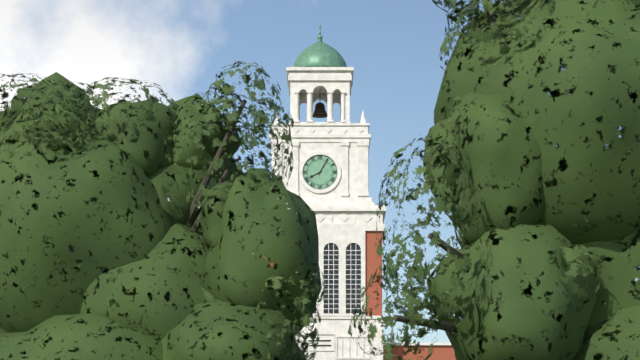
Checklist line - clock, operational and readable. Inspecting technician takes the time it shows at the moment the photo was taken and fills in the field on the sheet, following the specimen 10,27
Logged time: 8,05
